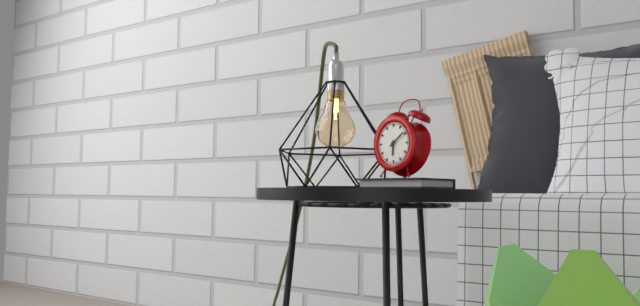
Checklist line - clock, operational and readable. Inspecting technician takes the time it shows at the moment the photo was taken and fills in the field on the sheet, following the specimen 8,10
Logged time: 6,09
